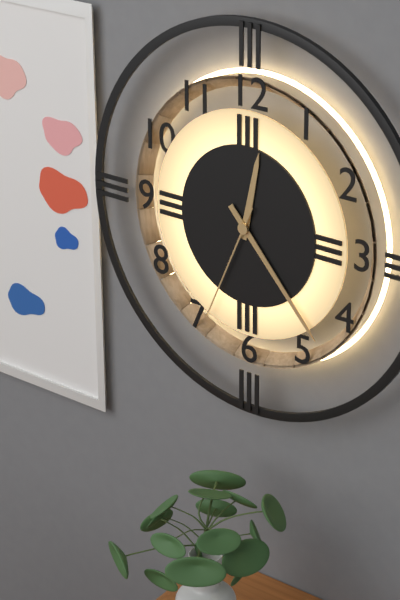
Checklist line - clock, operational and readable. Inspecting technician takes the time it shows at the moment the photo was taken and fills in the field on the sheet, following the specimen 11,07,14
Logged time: 12,23,34
